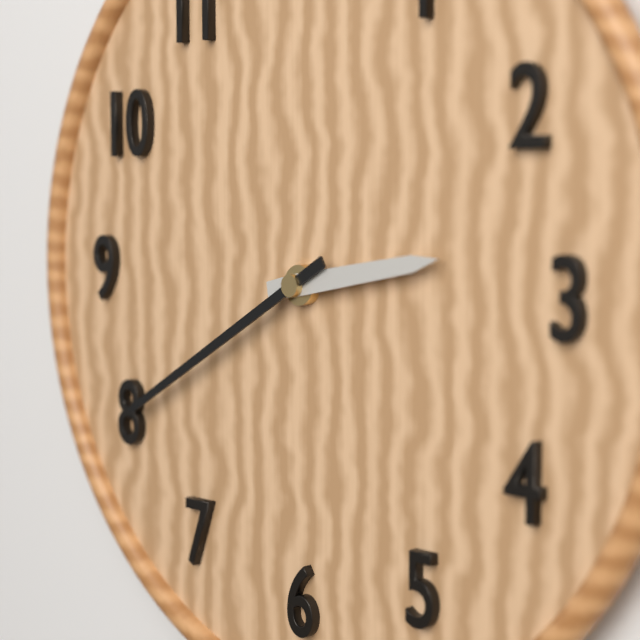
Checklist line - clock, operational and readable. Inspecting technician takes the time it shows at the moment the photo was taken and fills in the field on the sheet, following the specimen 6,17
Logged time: 2,40
